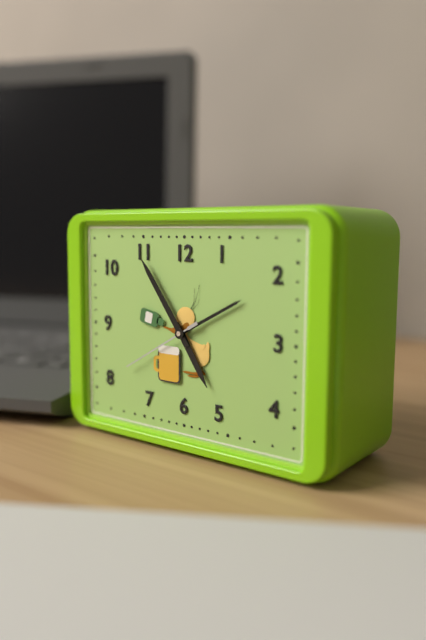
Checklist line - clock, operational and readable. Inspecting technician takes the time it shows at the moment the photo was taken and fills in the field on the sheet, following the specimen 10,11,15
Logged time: 4,54,40
